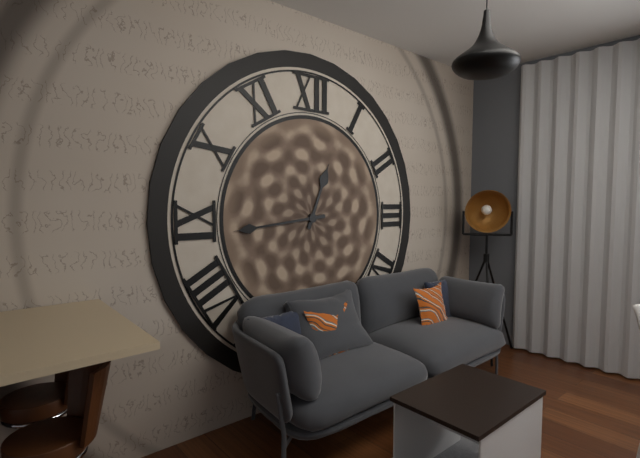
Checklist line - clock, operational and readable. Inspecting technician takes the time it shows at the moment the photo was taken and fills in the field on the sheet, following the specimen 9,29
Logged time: 12,44
